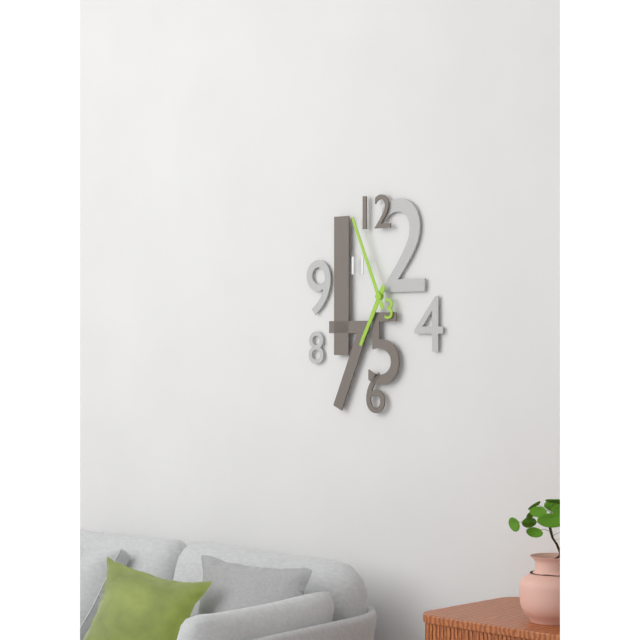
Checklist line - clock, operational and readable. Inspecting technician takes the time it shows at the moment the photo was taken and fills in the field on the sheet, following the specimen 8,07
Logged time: 6,56
